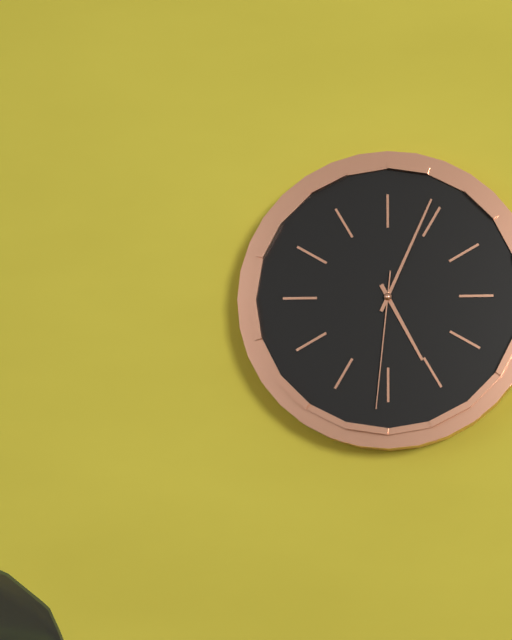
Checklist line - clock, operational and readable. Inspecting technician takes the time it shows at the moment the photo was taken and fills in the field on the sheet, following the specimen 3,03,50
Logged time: 5,04,31
